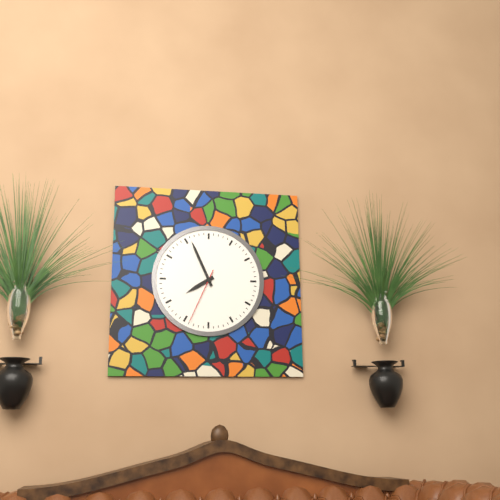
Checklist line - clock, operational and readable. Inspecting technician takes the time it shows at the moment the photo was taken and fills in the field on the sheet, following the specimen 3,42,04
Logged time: 7,56,34
